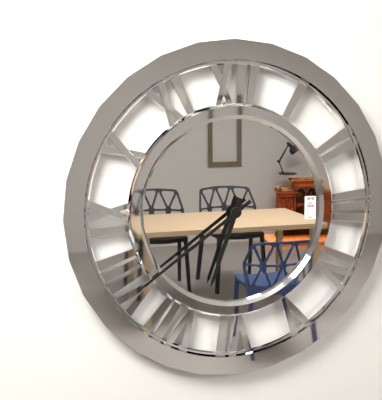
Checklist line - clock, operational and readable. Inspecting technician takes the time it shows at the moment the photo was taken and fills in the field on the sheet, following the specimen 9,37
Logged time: 6,39
